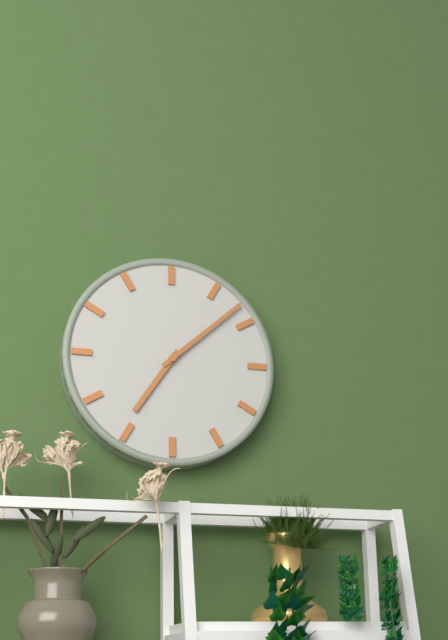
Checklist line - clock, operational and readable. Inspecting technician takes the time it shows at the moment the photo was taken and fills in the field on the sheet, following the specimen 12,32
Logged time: 7,08
